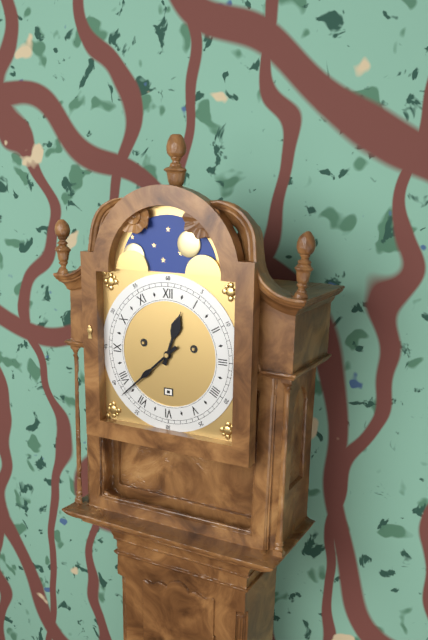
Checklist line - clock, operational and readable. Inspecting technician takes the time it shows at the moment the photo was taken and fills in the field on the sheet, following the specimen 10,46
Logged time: 12,38
